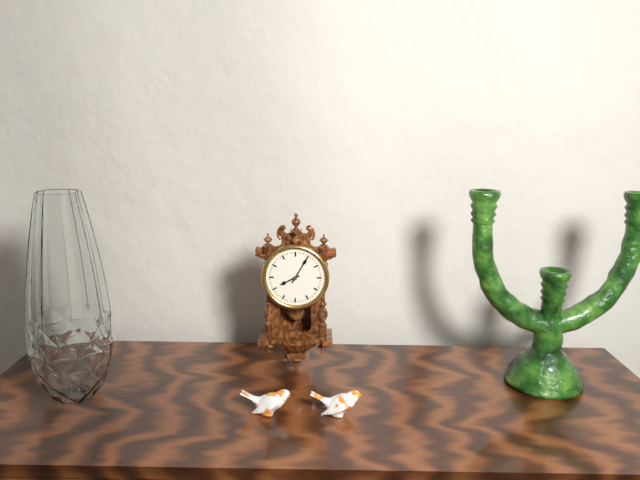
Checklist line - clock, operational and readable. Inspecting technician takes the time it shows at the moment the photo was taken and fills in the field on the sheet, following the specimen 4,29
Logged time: 8,05
